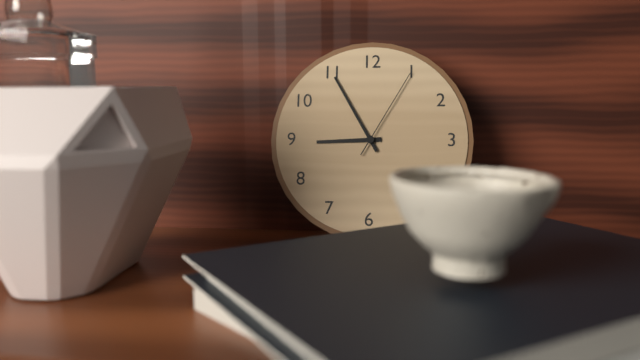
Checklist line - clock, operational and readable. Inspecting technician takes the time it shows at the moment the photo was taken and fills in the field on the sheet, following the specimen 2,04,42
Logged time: 8,55,05
